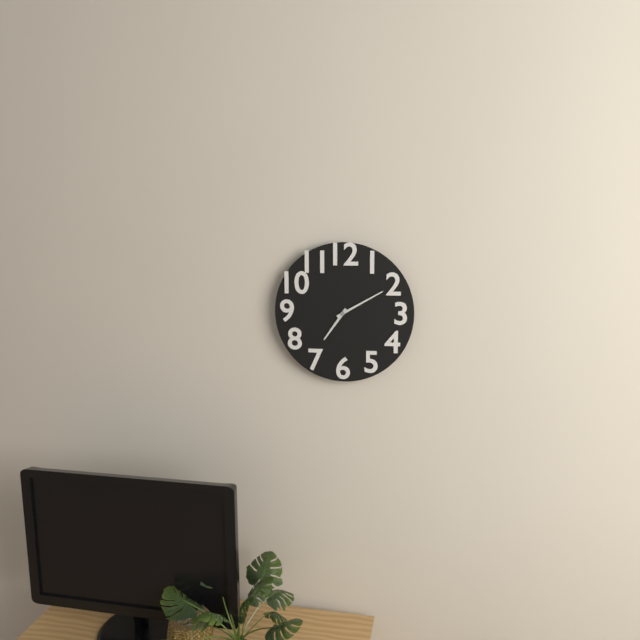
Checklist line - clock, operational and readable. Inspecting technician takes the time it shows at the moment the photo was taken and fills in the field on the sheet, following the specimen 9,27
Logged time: 7,10
